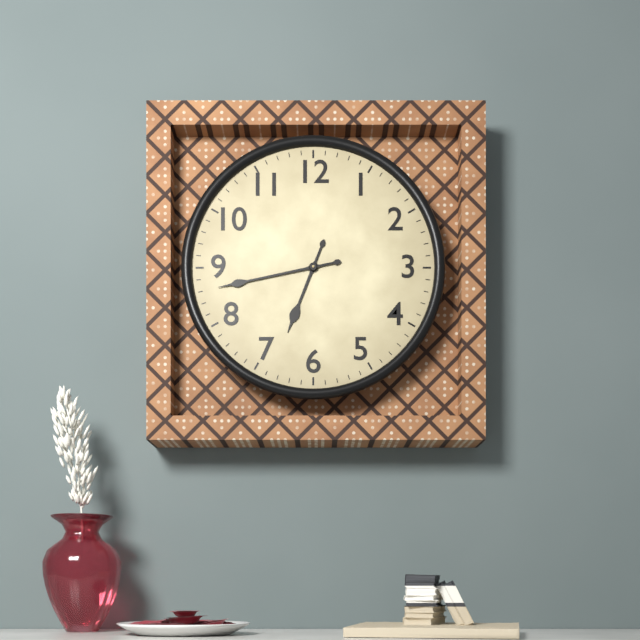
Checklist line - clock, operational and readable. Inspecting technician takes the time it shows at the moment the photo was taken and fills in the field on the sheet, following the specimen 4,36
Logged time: 6,43
